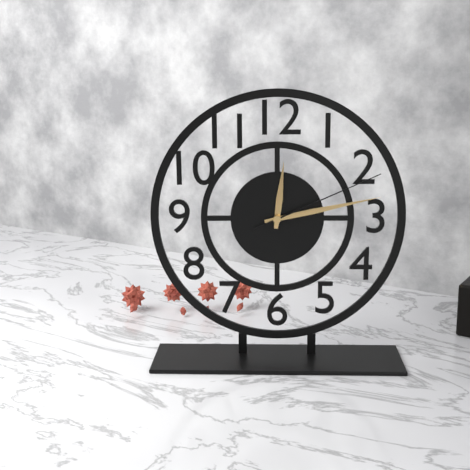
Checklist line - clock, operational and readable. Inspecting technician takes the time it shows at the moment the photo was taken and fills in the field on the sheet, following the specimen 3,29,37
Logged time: 12,13,11
